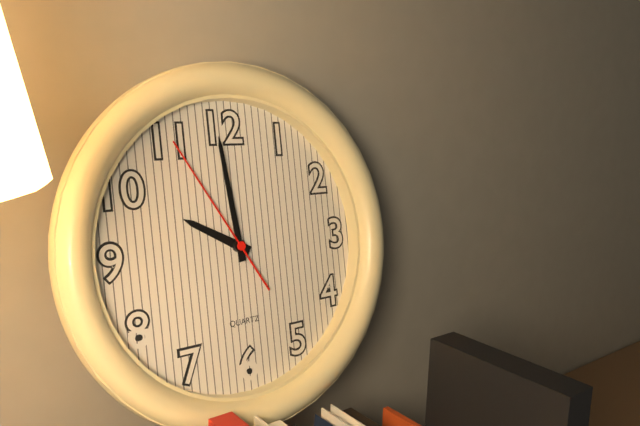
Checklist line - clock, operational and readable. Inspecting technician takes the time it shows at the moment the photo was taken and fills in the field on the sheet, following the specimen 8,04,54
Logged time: 9,59,55
